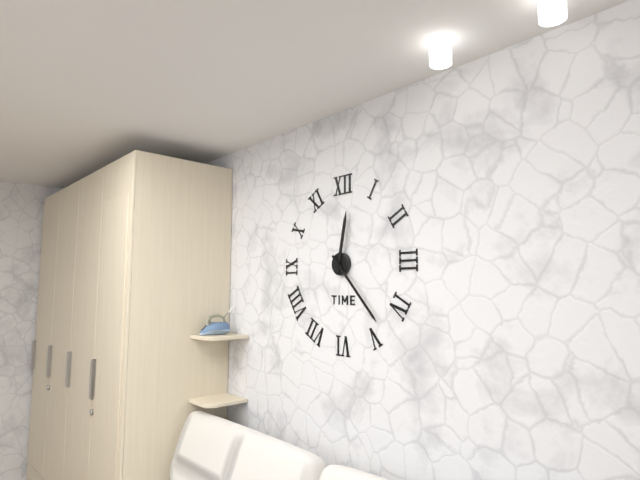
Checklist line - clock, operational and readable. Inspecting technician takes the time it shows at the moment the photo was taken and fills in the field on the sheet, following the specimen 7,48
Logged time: 12,23
